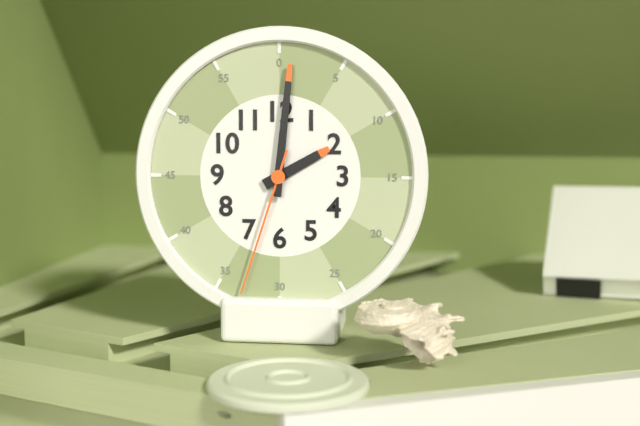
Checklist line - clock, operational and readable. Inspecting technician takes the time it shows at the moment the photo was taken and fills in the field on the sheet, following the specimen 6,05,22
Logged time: 2,01,33
